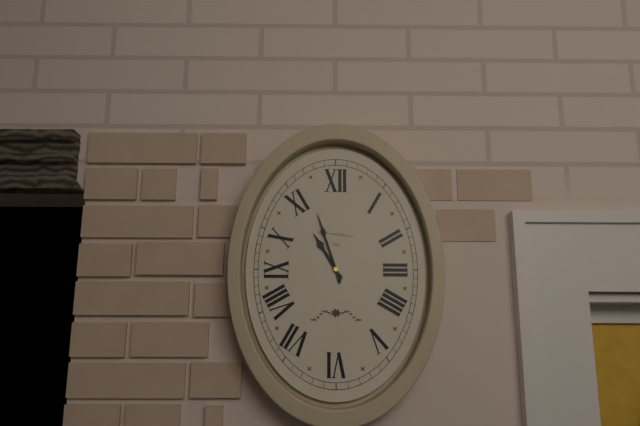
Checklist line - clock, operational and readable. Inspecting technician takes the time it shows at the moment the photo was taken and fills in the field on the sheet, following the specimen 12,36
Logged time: 10,57
